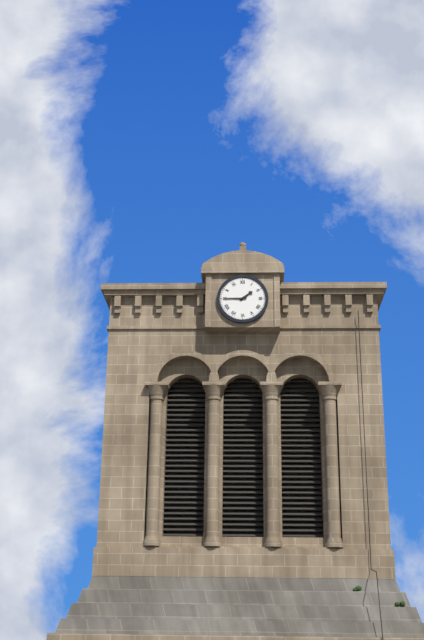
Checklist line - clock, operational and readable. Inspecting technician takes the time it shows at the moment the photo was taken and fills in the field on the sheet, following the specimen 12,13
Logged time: 1,45
